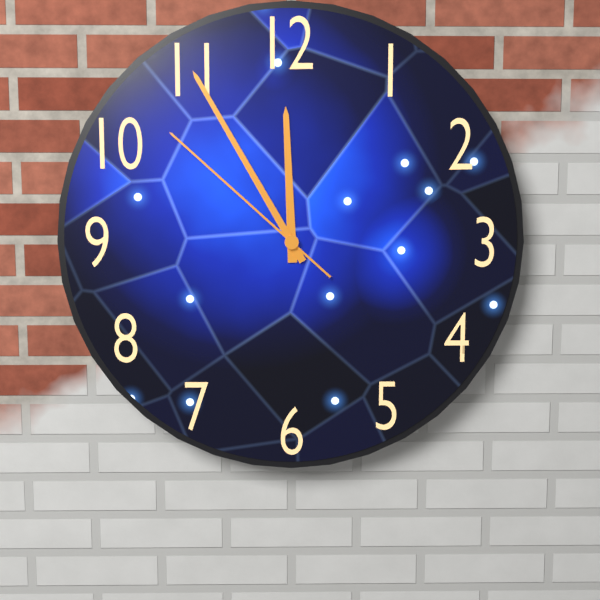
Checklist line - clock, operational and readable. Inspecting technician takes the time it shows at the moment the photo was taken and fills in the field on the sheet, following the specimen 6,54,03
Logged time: 11,55,52
